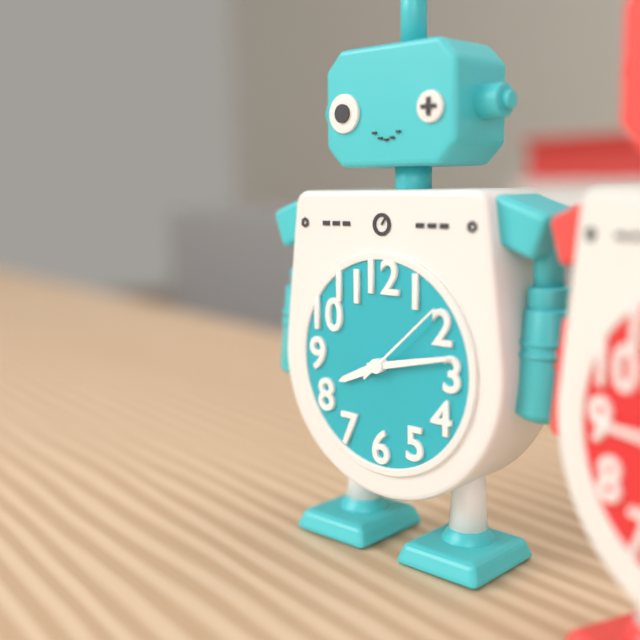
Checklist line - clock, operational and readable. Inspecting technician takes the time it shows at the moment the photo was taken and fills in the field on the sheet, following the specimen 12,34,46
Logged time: 8,13,08
